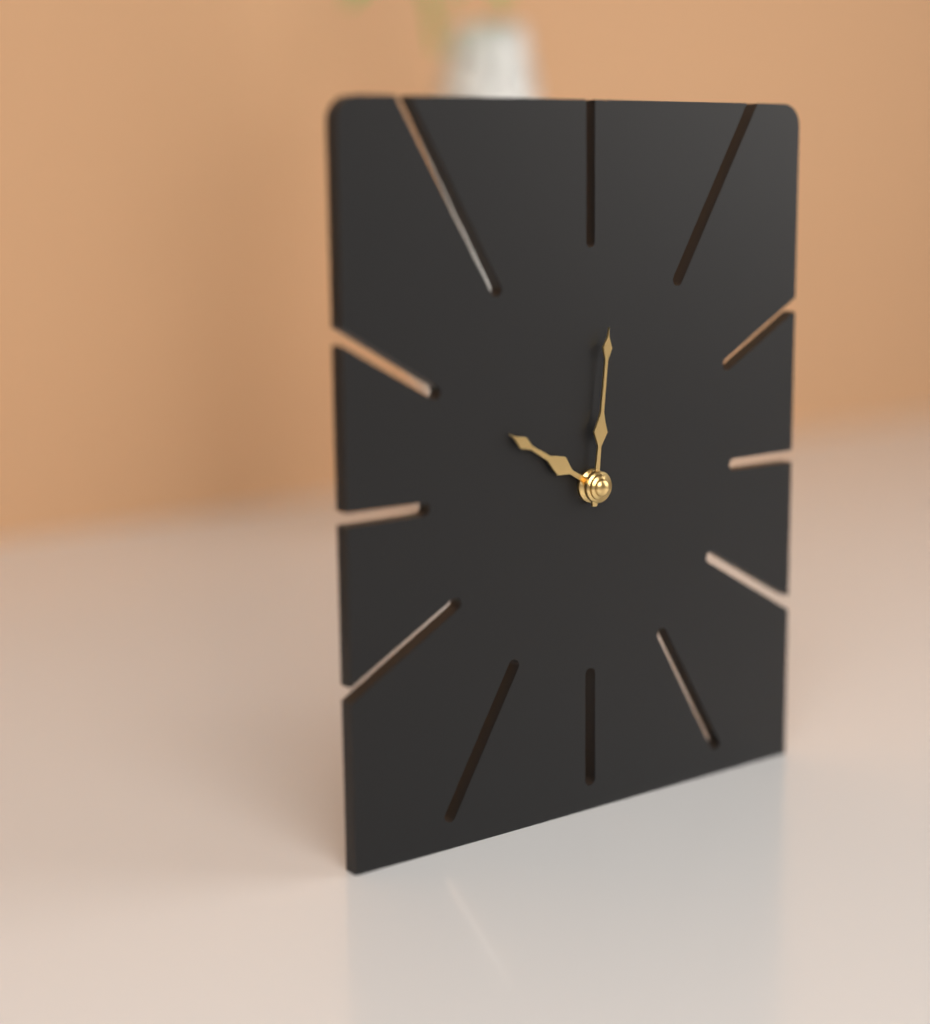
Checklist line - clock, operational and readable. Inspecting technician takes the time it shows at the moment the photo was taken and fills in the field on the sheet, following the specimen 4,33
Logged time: 10,01
